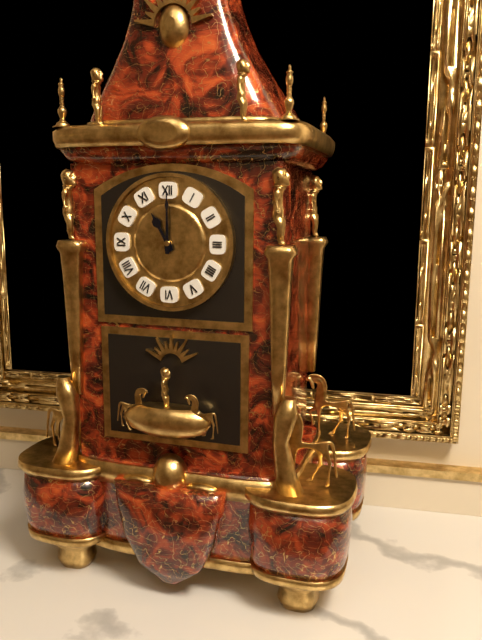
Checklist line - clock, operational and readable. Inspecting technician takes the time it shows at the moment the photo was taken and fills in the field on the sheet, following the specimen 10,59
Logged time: 11,00
